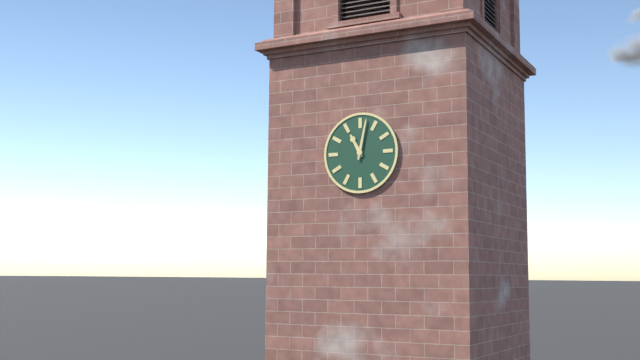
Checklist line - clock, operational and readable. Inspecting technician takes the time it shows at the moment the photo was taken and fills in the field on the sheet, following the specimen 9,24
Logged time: 11,02
